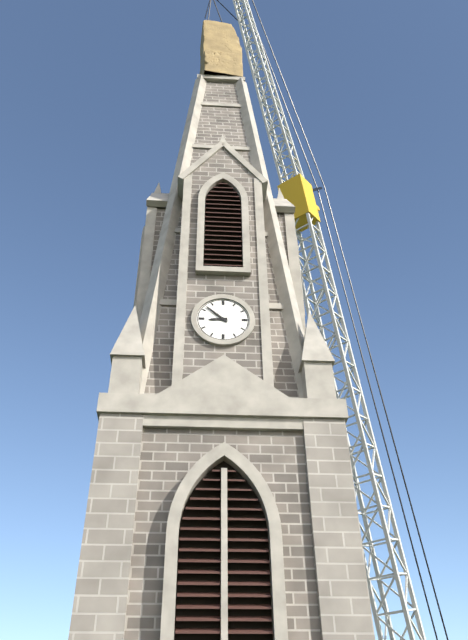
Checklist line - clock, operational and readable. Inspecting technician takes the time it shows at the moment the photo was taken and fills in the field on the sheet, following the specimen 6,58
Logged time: 8,52
